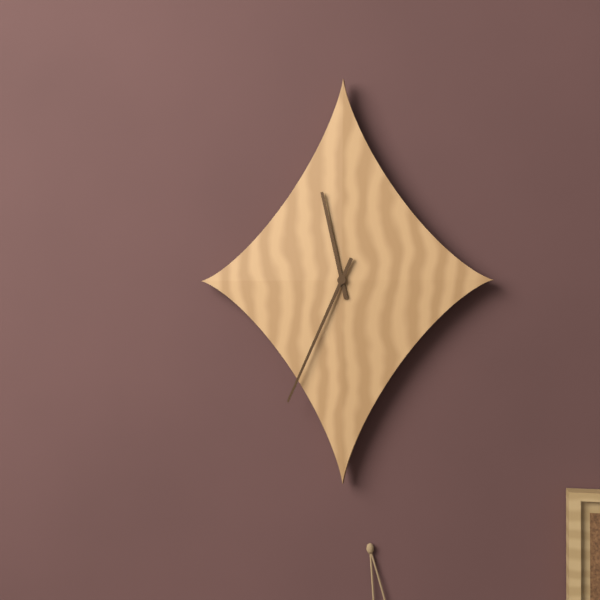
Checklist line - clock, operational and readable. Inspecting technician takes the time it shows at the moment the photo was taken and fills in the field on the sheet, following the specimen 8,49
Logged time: 11,34
